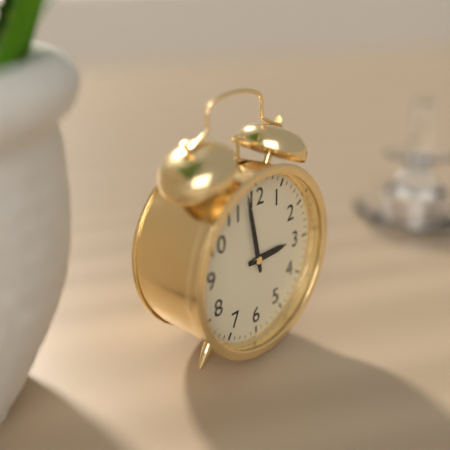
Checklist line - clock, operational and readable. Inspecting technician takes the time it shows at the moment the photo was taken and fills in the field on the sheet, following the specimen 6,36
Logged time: 2,58
